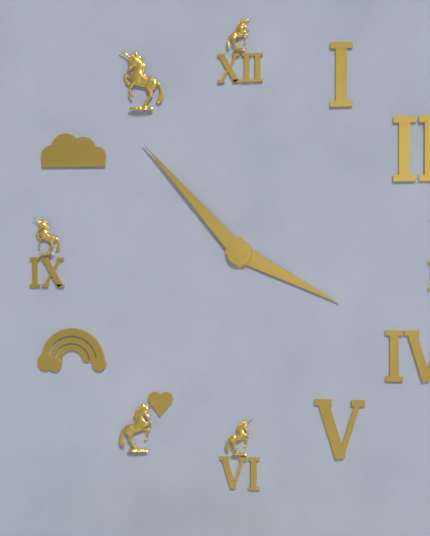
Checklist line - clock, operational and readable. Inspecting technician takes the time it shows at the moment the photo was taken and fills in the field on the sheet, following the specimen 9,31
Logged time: 3,53
